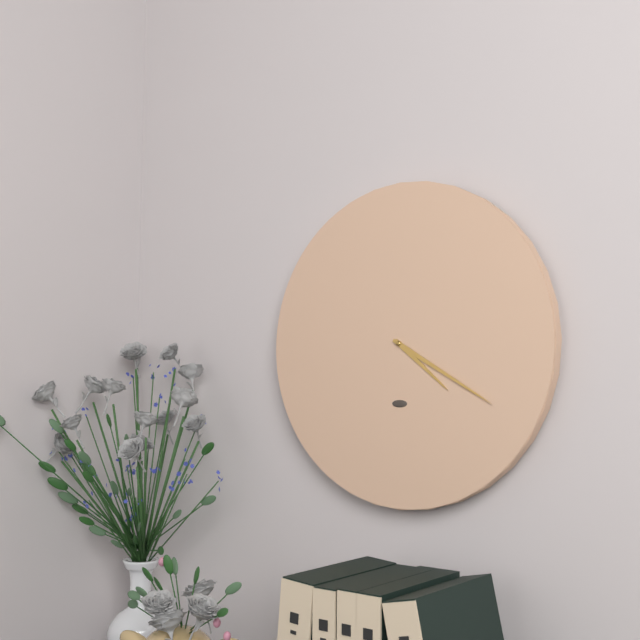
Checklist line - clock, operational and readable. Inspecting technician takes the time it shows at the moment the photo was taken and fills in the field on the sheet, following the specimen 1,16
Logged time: 4,20
